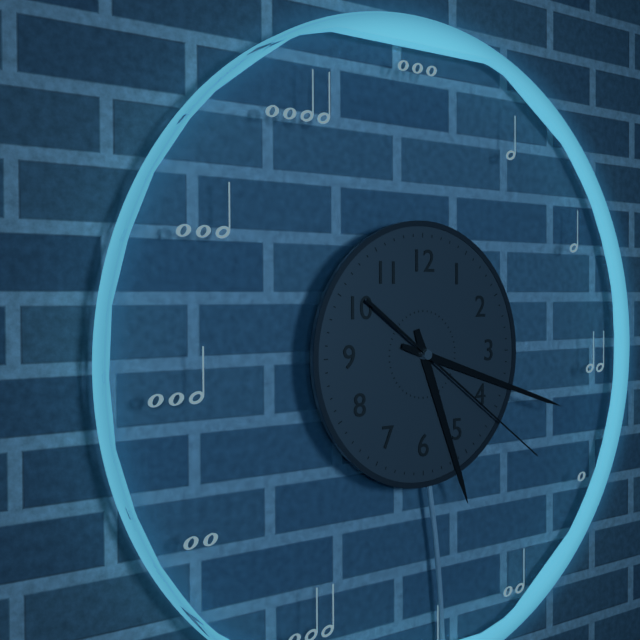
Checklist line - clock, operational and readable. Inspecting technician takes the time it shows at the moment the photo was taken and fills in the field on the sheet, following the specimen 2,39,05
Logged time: 5,18,21
